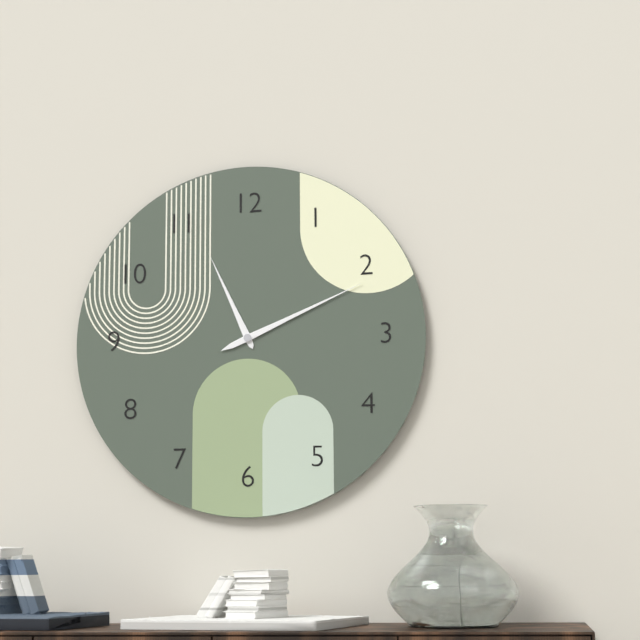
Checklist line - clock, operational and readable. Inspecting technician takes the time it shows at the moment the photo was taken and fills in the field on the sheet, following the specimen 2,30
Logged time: 11,11
